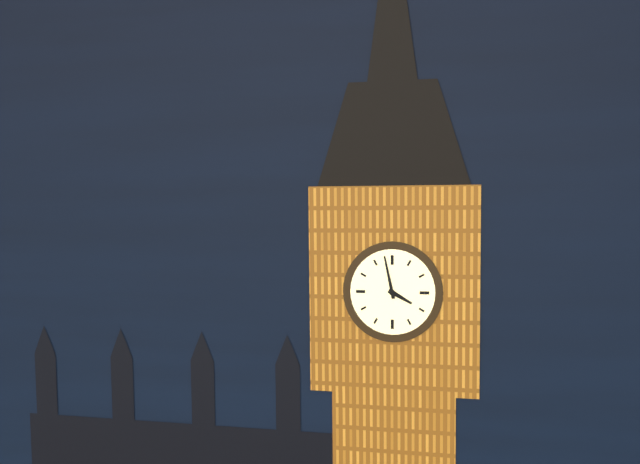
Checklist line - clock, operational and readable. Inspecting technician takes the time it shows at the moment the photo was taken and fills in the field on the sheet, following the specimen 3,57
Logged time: 3,58
